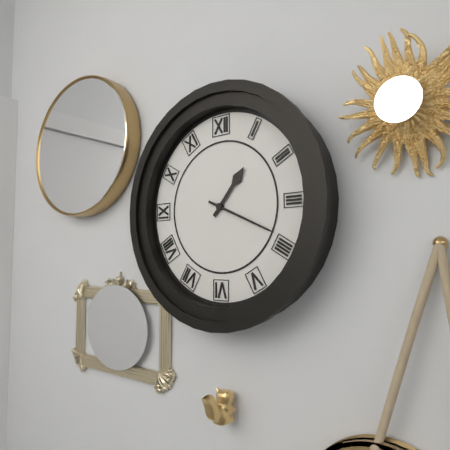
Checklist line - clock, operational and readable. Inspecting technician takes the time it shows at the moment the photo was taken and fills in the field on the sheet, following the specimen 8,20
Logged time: 1,19
